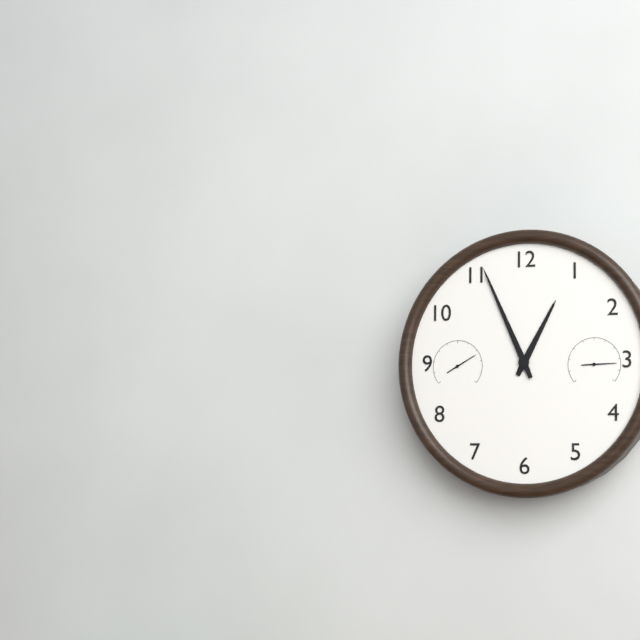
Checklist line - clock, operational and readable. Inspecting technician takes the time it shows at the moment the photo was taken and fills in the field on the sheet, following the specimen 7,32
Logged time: 12,56
